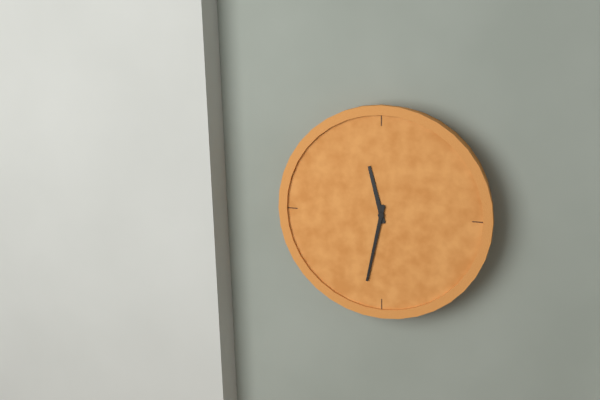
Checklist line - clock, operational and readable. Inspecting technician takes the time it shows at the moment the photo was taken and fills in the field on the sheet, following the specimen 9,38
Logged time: 11,32
